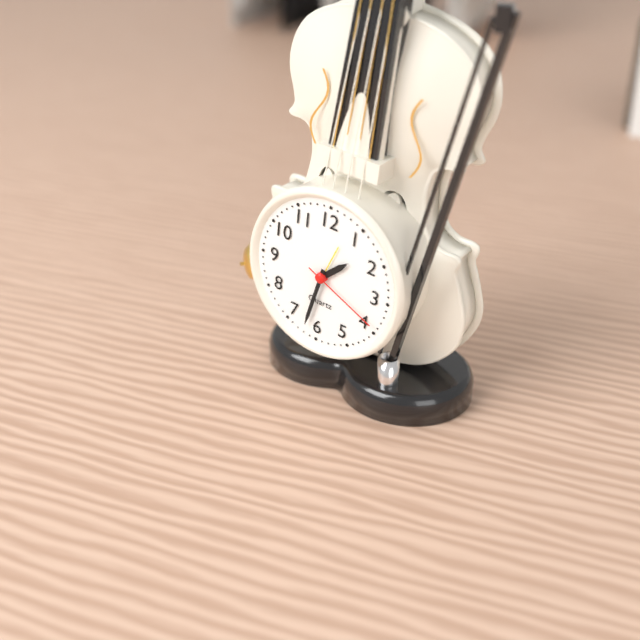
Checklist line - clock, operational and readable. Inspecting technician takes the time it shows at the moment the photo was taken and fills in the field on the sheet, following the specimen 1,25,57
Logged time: 1,32,19
